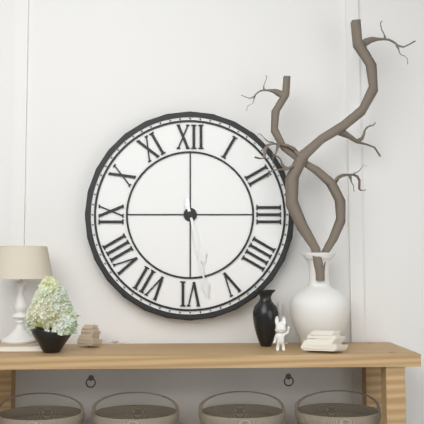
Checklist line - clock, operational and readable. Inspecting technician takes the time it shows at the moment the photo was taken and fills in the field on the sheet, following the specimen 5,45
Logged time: 5,28
